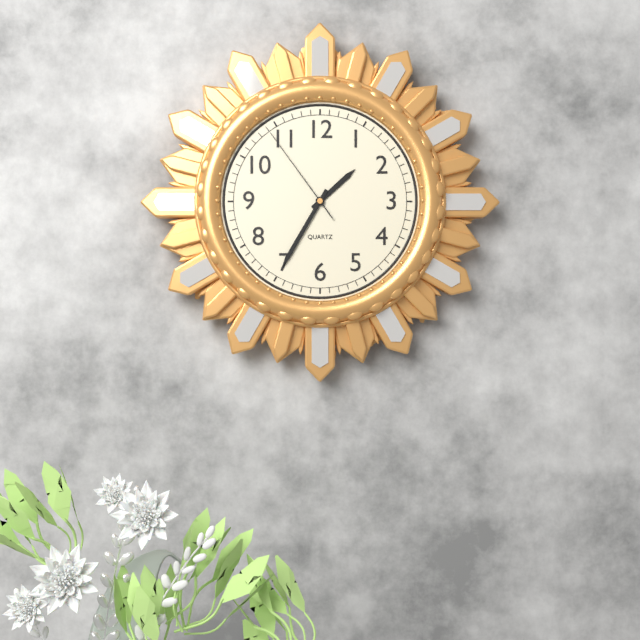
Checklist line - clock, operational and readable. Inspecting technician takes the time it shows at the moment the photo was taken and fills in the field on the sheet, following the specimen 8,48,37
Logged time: 1,35,54
